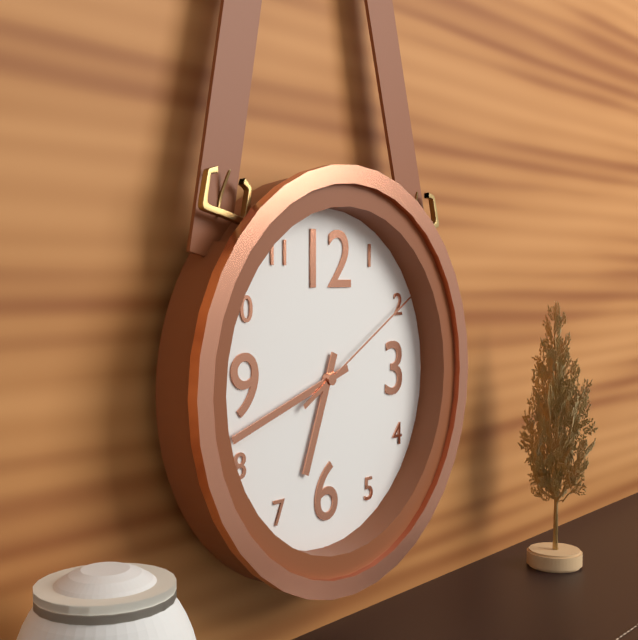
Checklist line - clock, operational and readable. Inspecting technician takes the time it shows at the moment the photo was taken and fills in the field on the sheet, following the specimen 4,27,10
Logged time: 6,42,10
